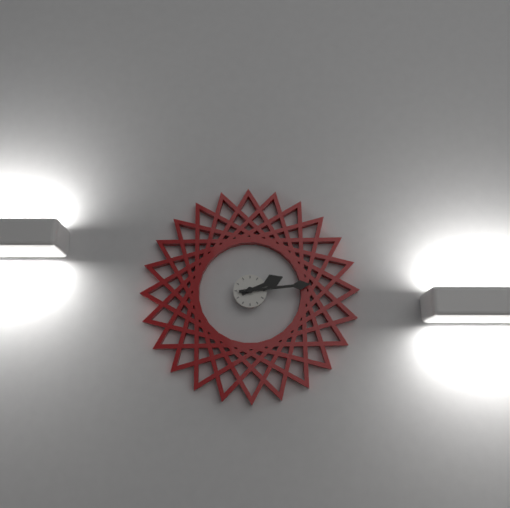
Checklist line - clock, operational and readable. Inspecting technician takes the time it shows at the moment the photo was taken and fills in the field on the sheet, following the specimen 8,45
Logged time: 2,14
